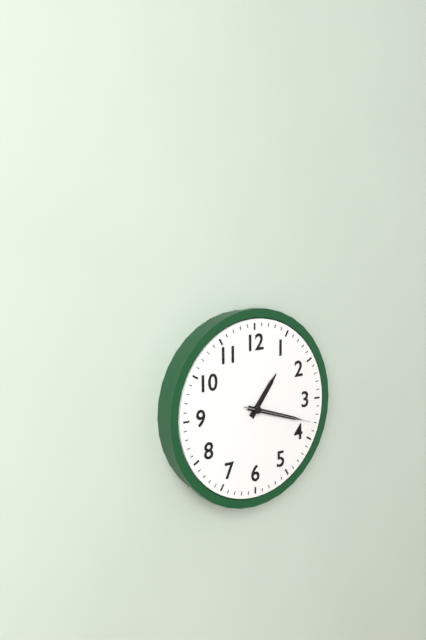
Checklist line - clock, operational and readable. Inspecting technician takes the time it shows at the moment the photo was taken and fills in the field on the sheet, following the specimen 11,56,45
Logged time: 1,18,18
